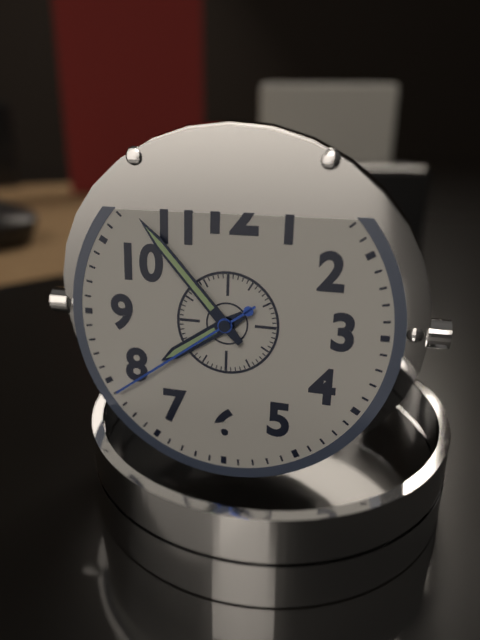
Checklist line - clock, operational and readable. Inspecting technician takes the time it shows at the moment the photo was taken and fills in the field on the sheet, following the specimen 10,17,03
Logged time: 7,53,39
